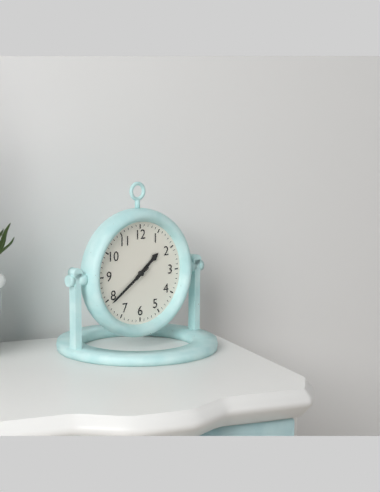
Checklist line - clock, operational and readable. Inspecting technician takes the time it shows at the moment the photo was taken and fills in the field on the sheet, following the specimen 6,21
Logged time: 1,39
